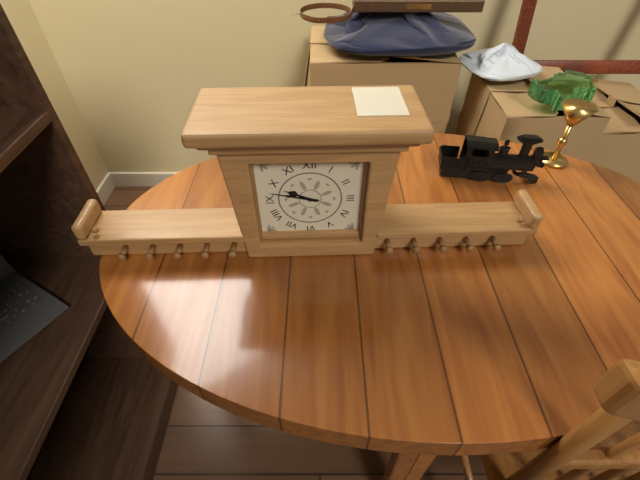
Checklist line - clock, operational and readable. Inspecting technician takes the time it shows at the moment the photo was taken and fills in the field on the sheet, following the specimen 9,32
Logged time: 9,47
